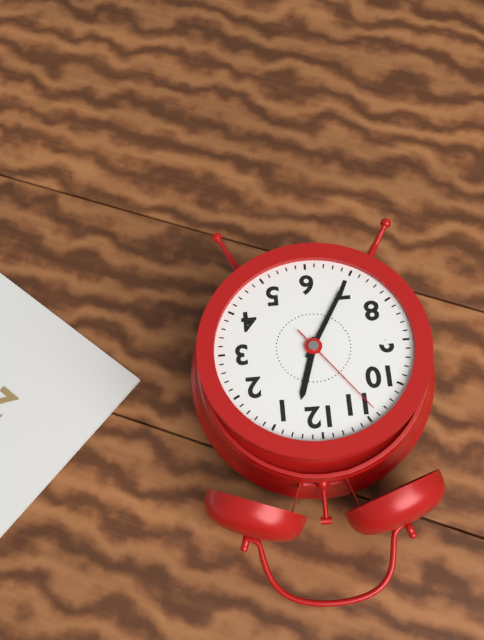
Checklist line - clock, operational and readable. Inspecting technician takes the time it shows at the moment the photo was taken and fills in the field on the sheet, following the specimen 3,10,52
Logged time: 12,35,54
